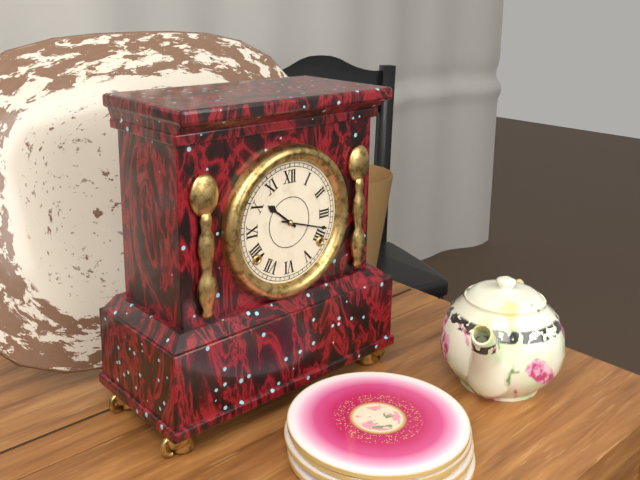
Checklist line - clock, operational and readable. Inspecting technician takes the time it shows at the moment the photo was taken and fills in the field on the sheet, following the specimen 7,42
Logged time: 10,18
